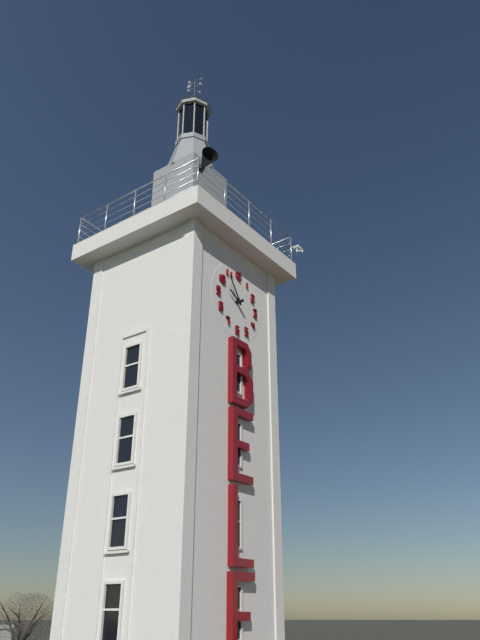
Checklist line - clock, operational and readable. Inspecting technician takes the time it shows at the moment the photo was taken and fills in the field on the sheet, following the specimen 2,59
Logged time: 9,54
